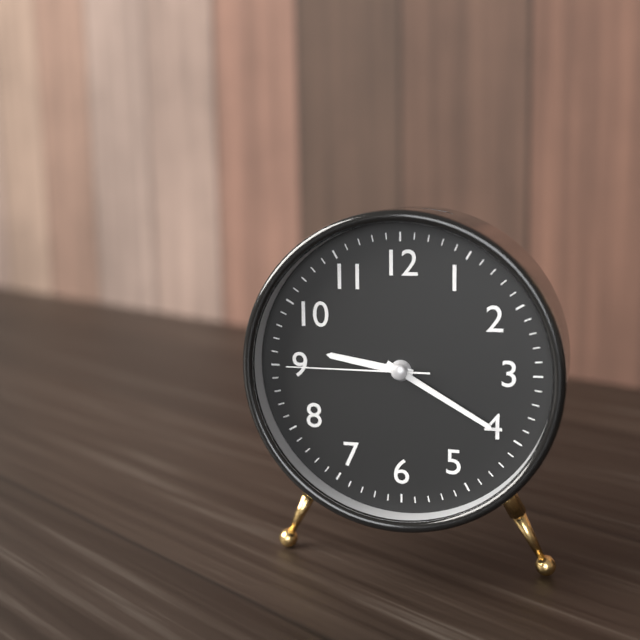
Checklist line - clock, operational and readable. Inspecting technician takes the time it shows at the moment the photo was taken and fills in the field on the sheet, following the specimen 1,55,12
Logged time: 9,20,45
